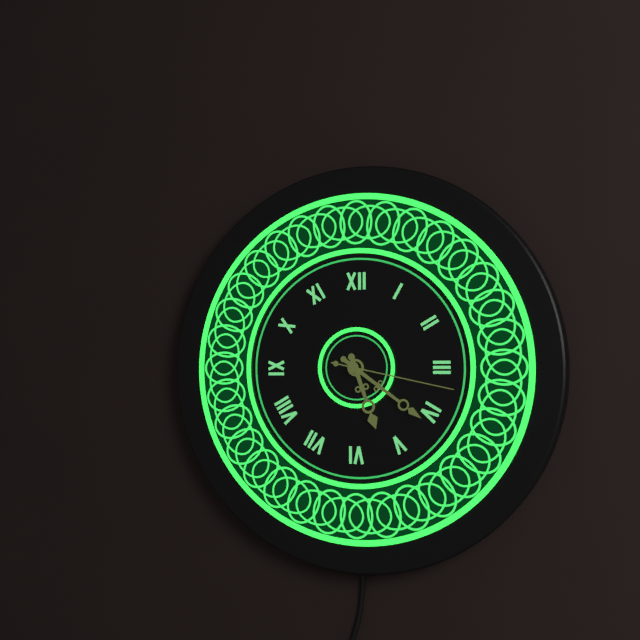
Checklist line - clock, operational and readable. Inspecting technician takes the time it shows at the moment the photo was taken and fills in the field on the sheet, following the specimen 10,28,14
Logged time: 5,21,17
